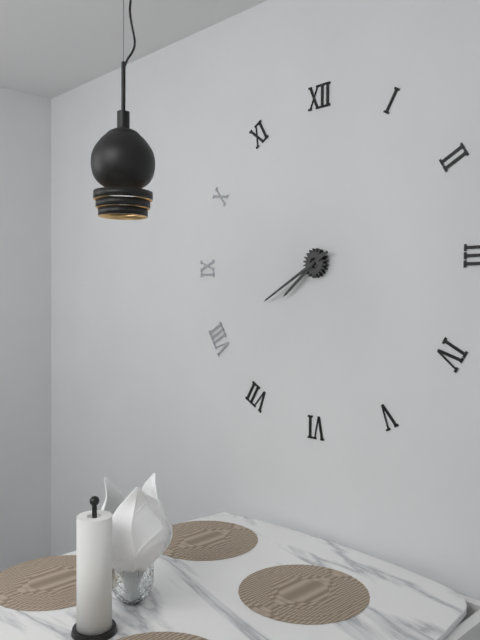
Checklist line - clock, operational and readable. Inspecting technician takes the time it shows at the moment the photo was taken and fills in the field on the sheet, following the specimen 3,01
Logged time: 7,40
